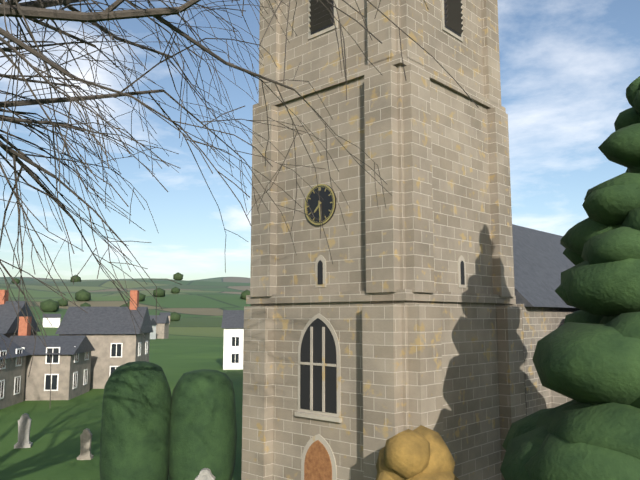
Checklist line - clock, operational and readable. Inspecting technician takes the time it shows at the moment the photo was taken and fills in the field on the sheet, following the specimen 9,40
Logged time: 7,29
